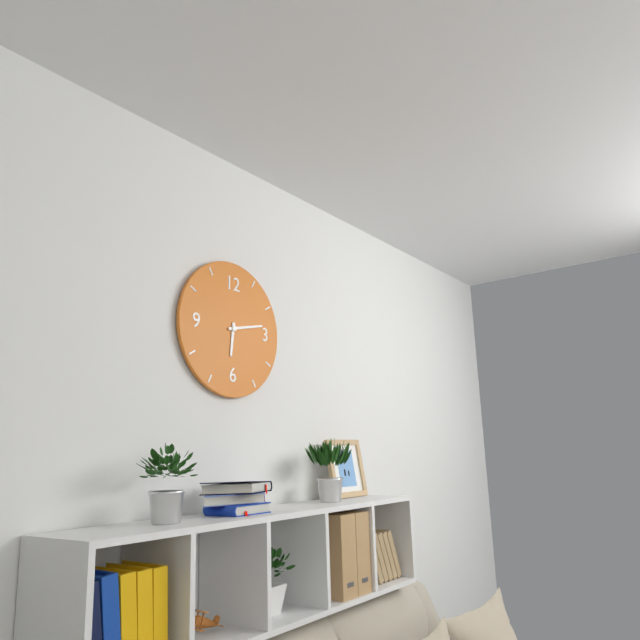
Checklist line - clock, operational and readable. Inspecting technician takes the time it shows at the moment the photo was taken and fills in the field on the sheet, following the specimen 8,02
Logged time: 6,13
